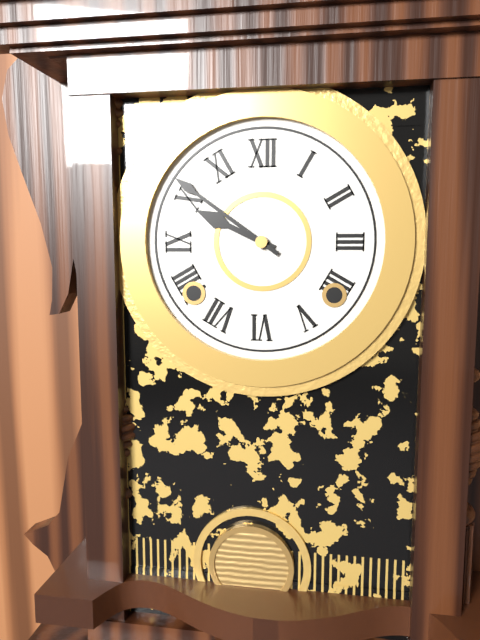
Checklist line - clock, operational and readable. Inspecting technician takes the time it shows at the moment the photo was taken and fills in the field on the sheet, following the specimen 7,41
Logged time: 9,51
